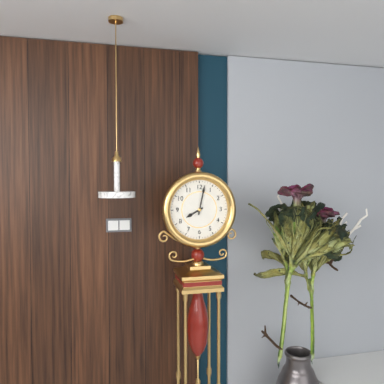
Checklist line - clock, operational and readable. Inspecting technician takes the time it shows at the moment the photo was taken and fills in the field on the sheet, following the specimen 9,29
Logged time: 8,02
